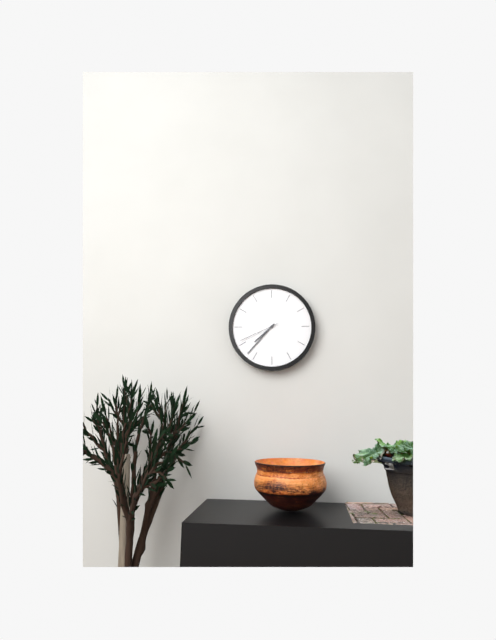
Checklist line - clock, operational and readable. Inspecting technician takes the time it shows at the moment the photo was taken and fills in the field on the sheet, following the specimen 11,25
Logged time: 7,37
